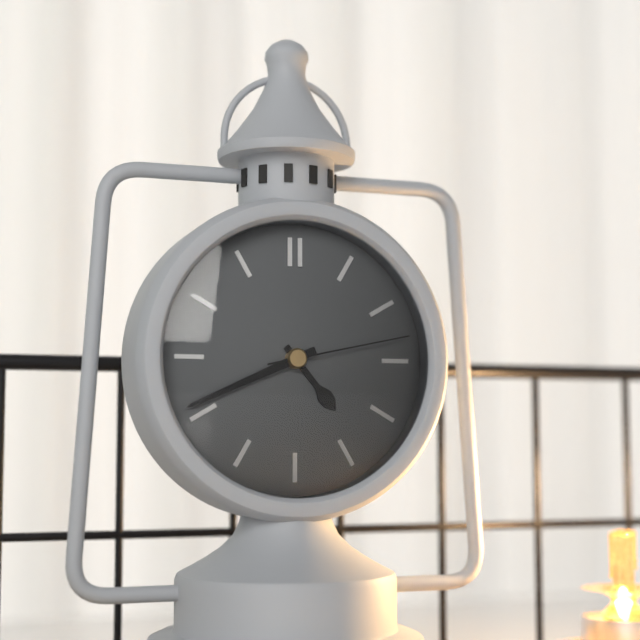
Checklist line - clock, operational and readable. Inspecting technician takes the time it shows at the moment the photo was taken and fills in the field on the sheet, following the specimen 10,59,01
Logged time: 4,41,13
